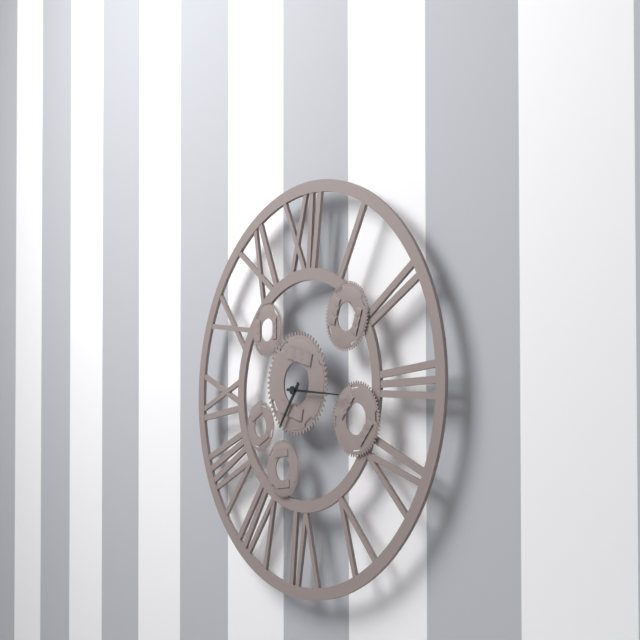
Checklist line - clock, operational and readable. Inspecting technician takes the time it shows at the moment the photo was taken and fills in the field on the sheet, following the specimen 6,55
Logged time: 7,16
